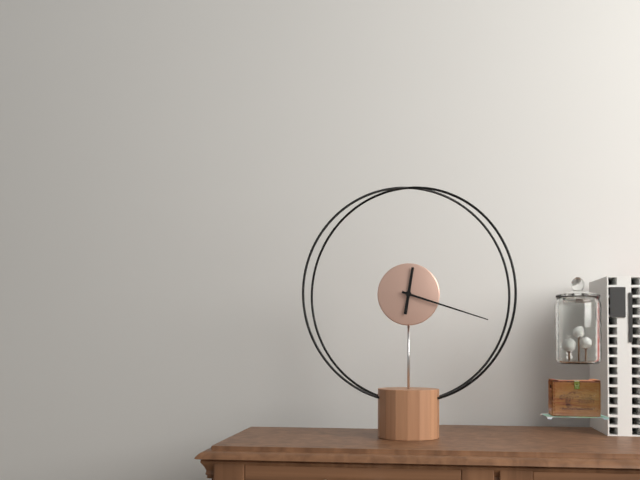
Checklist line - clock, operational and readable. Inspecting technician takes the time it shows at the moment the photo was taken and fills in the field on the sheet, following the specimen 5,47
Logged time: 12,18
